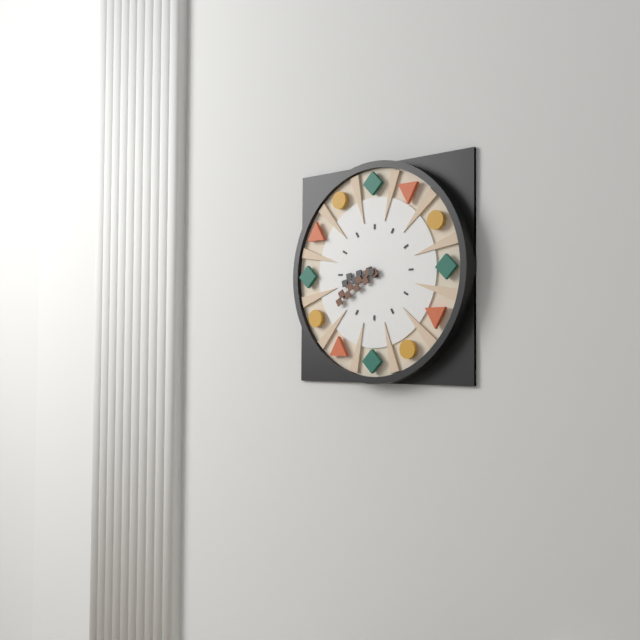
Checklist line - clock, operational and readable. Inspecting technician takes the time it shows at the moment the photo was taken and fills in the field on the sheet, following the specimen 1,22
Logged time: 8,40
